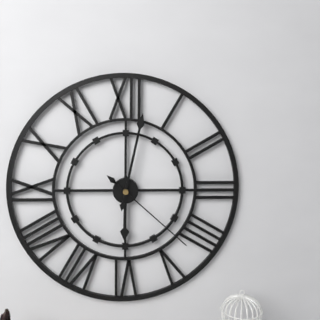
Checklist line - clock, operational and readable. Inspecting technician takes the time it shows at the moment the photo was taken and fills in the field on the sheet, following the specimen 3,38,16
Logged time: 6,02,22
